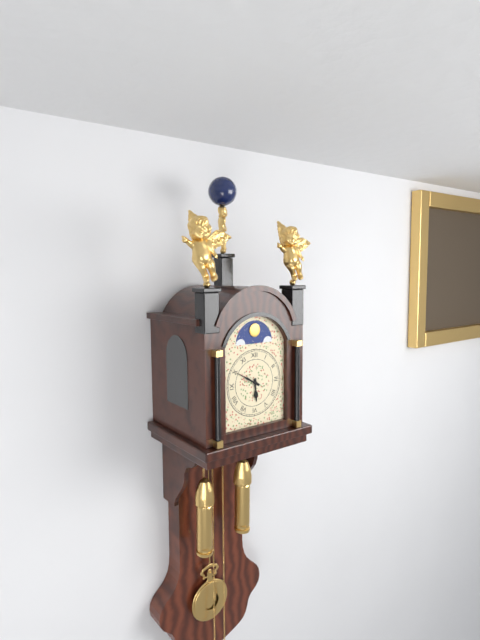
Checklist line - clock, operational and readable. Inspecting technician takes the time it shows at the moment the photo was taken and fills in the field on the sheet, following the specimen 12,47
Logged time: 5,50
